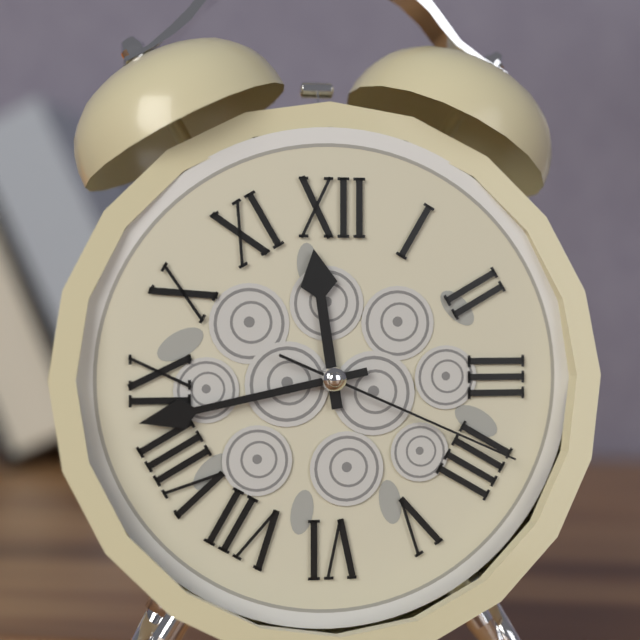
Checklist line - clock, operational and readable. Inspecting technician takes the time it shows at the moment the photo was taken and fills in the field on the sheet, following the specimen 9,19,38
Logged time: 11,43,19
